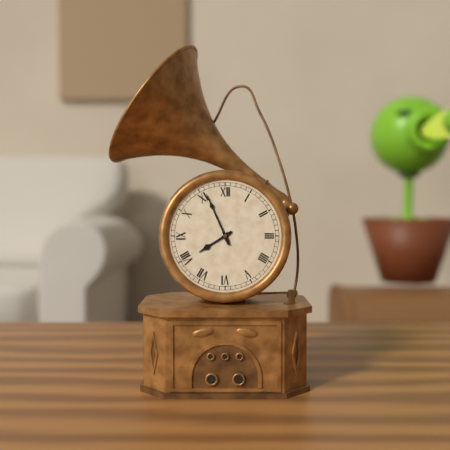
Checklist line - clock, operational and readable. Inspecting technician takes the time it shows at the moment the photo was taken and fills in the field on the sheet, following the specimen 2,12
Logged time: 7,56
